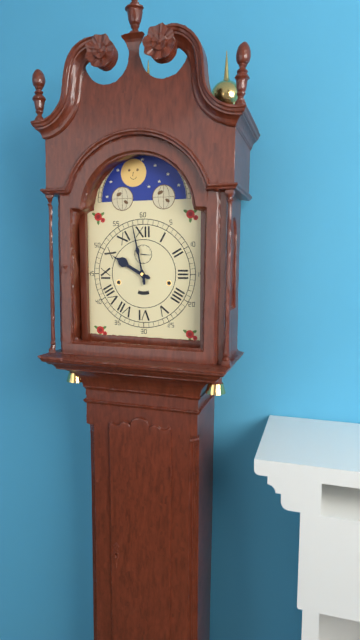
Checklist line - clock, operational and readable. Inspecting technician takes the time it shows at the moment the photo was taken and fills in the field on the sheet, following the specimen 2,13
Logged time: 9,58
